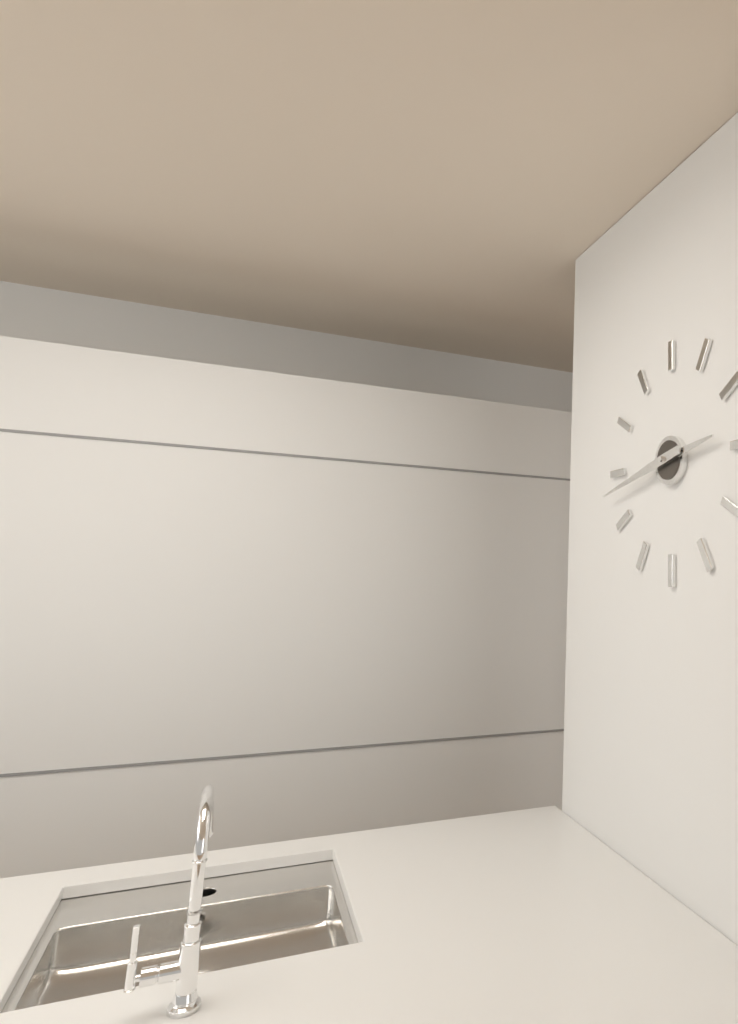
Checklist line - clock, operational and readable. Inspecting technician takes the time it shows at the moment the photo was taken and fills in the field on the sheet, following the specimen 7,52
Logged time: 2,43
